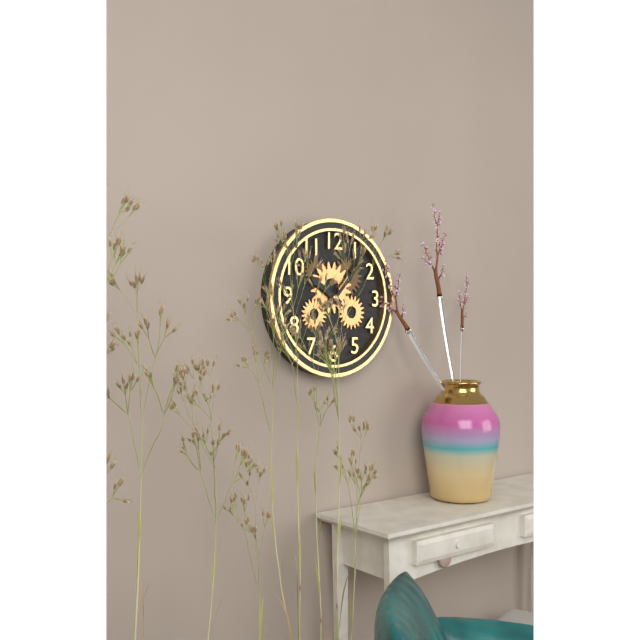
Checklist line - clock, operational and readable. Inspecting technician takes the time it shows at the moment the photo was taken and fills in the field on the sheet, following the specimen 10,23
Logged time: 10,07
